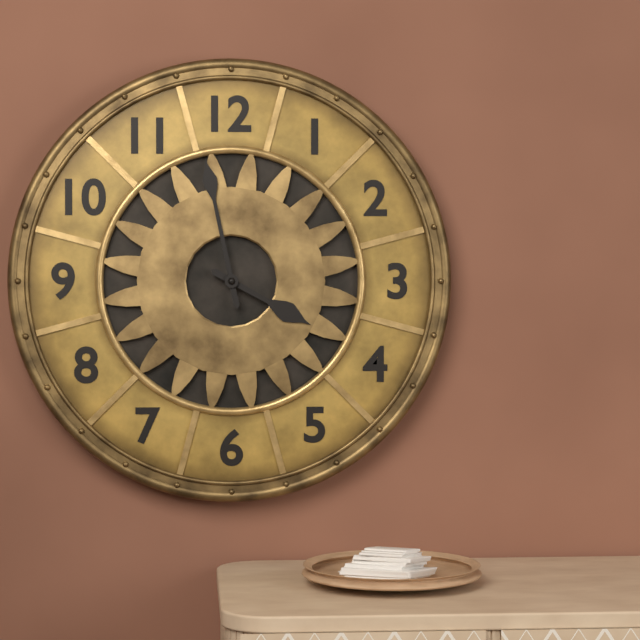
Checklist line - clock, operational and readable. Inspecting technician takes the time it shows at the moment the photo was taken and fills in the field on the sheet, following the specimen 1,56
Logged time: 3,58
